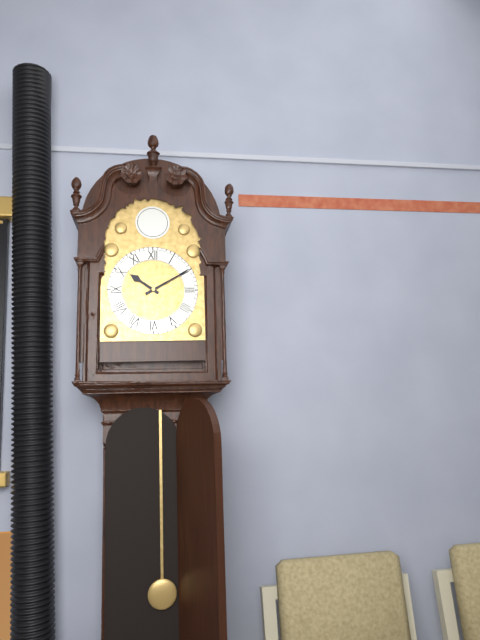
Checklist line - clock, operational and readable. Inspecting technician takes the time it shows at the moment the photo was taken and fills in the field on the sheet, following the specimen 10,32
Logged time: 10,10
